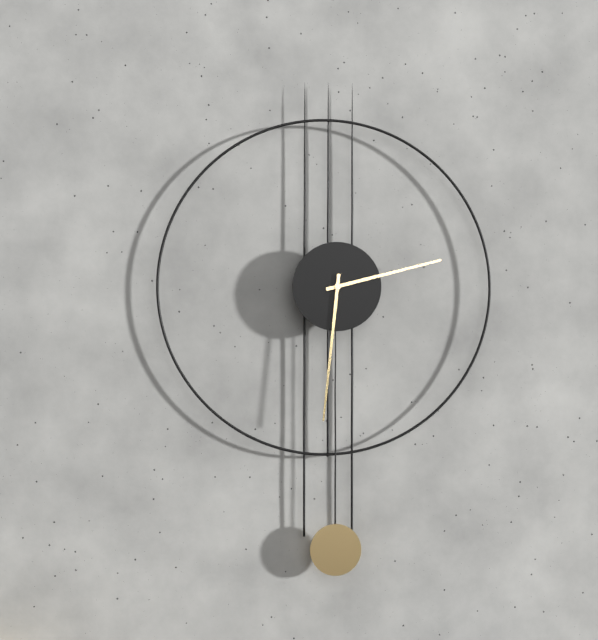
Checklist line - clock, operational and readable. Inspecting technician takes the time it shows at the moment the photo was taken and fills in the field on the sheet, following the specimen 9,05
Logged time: 2,31
